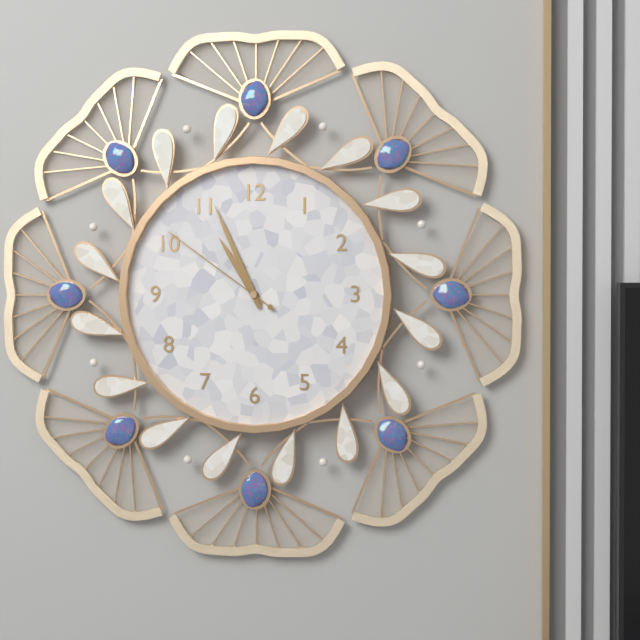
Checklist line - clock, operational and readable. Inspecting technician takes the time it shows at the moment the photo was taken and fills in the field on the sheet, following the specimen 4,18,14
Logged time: 10,56,51
